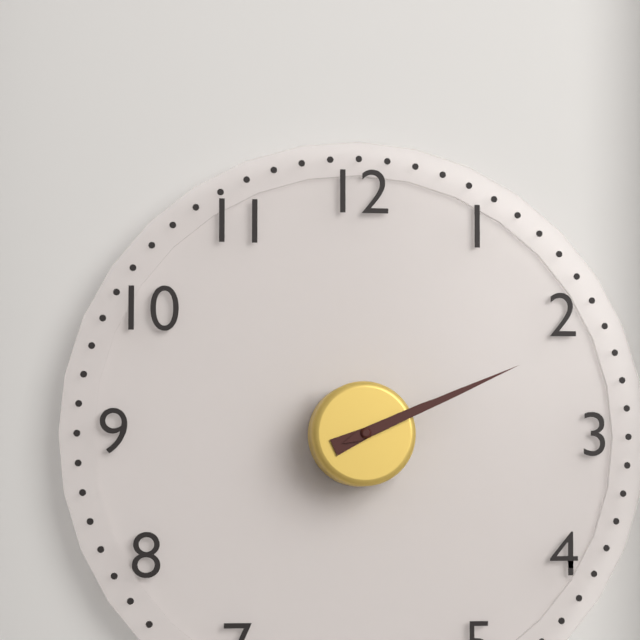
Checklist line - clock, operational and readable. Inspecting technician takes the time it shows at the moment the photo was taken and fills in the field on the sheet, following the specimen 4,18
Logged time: 2,11
